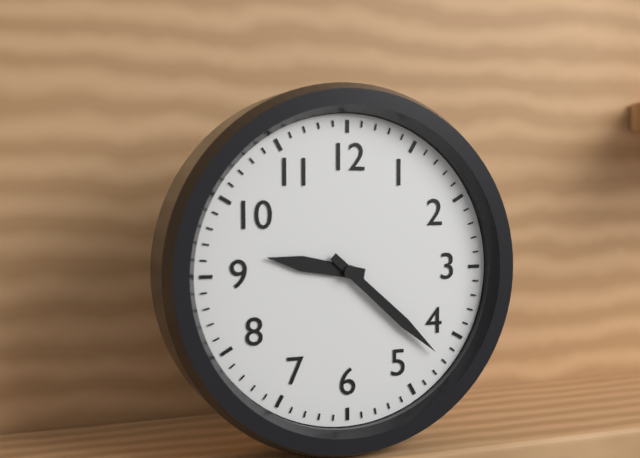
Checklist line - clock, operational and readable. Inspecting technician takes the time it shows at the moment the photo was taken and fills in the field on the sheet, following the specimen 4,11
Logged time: 9,22
